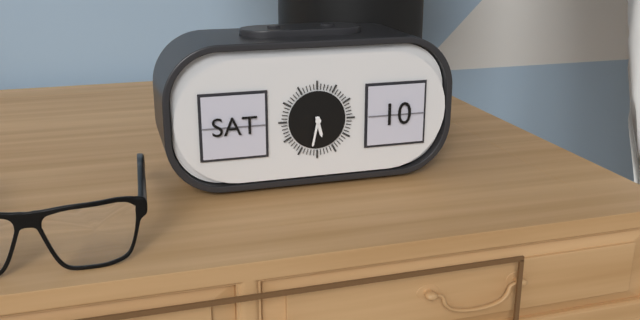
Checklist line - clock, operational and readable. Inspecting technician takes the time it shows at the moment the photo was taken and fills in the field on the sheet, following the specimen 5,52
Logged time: 5,32
